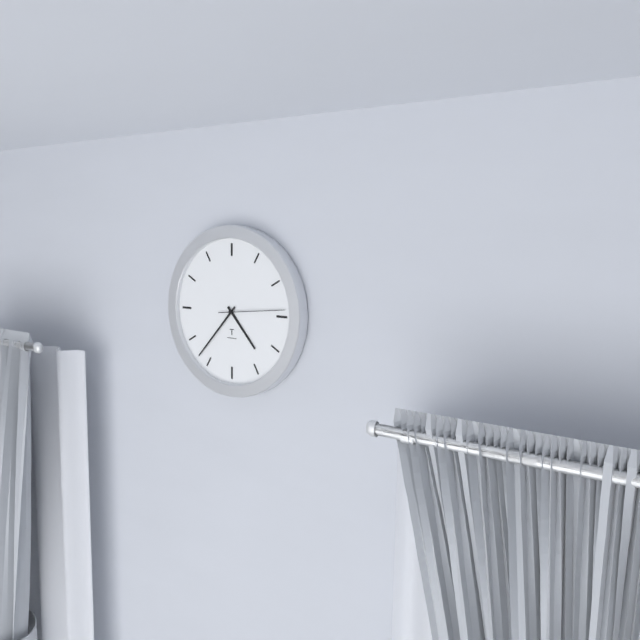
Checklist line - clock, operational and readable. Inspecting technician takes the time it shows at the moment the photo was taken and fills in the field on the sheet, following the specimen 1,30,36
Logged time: 4,37,14
